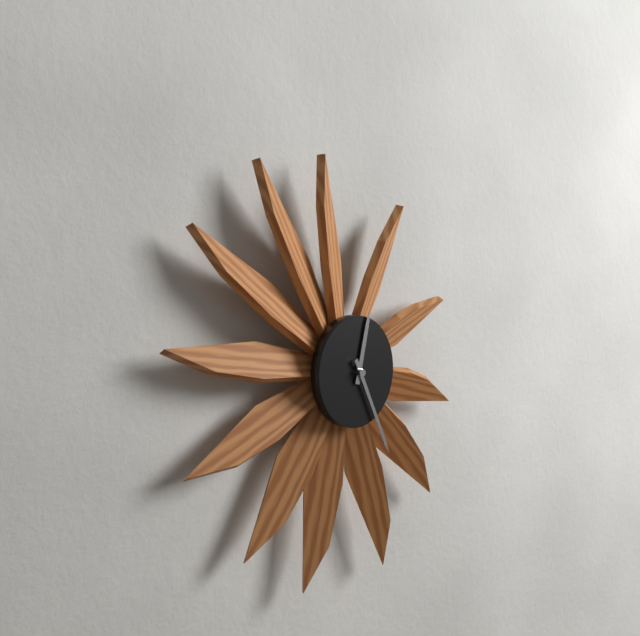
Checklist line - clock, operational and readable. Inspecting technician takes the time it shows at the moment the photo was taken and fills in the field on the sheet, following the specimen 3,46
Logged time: 12,26
